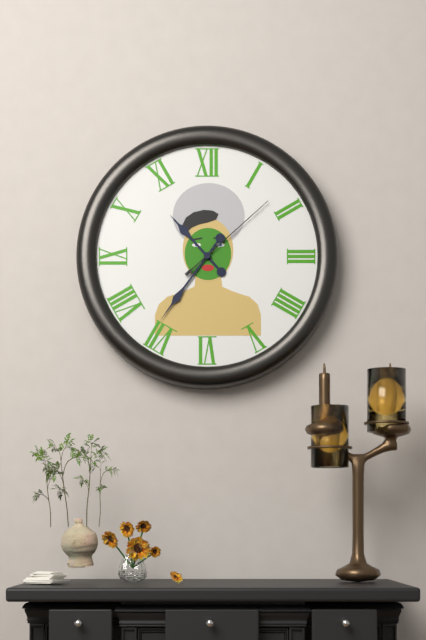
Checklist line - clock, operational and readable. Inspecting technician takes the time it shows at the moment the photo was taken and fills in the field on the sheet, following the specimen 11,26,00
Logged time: 10,36,08
